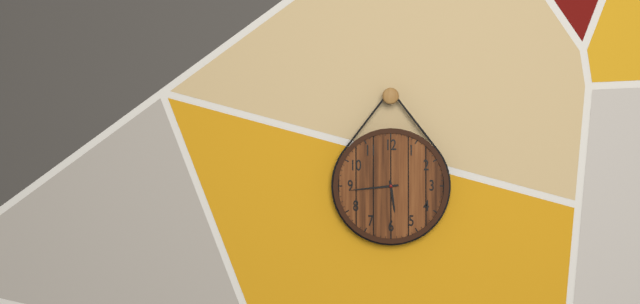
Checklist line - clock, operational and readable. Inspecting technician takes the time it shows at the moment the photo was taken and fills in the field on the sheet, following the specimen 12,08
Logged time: 5,44
